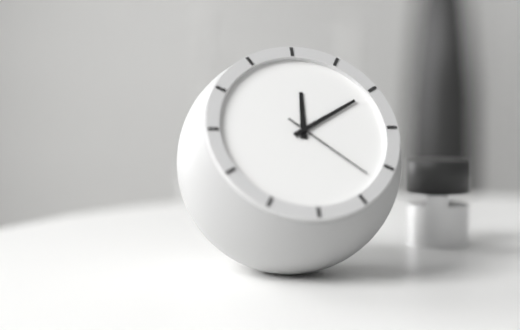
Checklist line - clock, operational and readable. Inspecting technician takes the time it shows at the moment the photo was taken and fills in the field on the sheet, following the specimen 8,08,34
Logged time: 12,10,22
